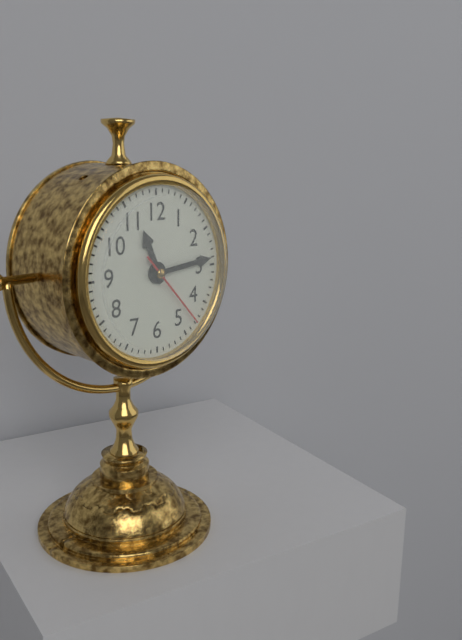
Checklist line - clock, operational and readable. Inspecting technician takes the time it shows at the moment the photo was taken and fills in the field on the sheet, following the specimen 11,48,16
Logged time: 11,14,23
